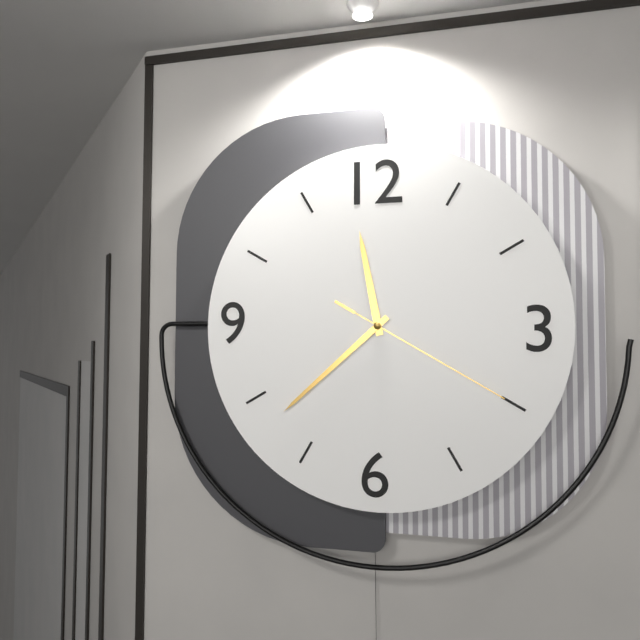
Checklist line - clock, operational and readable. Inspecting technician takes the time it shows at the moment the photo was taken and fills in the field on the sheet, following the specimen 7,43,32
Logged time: 11,38,20
